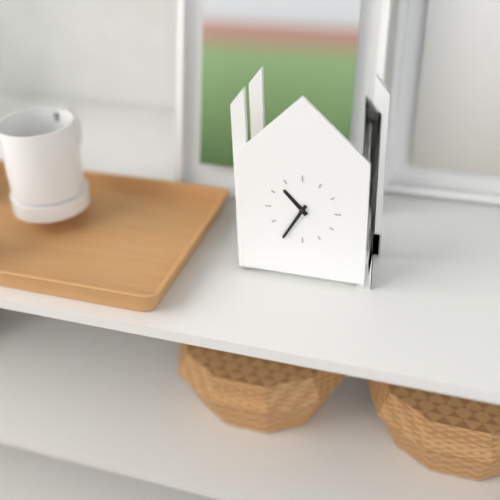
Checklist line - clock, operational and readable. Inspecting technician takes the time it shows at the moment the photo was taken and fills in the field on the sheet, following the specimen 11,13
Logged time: 10,35
